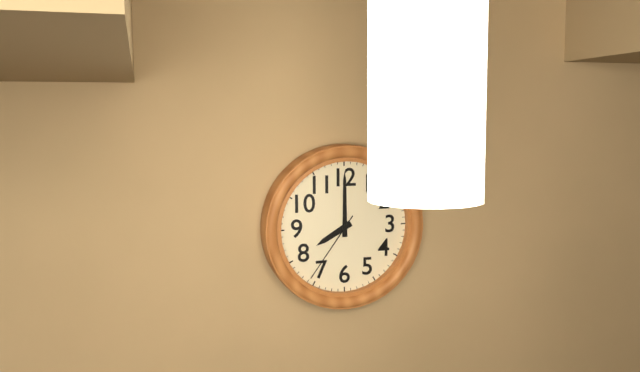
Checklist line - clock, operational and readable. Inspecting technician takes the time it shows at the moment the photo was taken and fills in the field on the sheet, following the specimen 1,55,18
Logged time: 8,00,36
